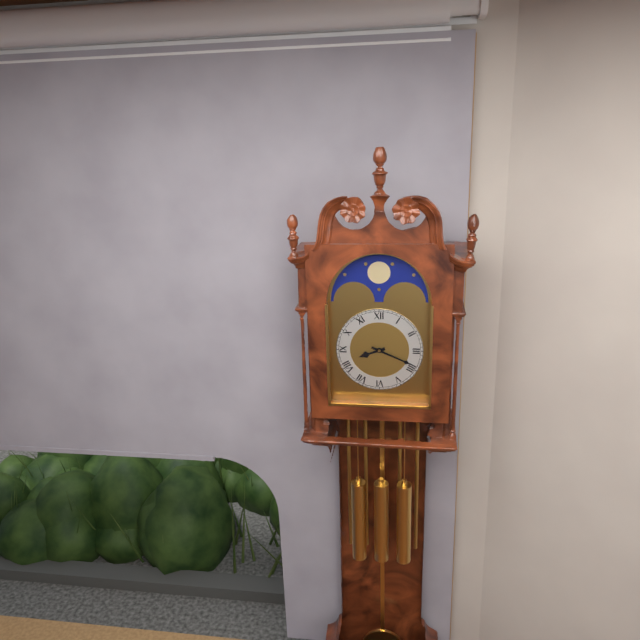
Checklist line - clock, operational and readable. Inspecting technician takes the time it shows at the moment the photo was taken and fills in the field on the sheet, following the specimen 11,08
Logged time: 8,19
